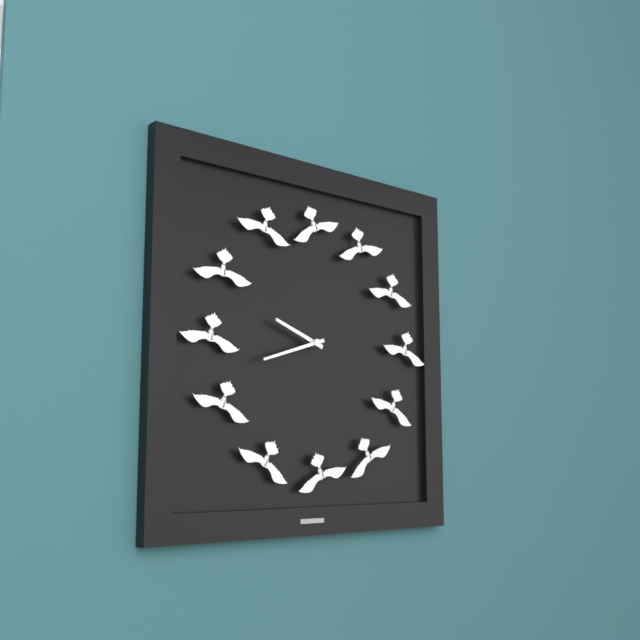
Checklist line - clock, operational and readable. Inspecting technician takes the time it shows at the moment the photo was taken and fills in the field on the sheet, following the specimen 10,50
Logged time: 9,42
